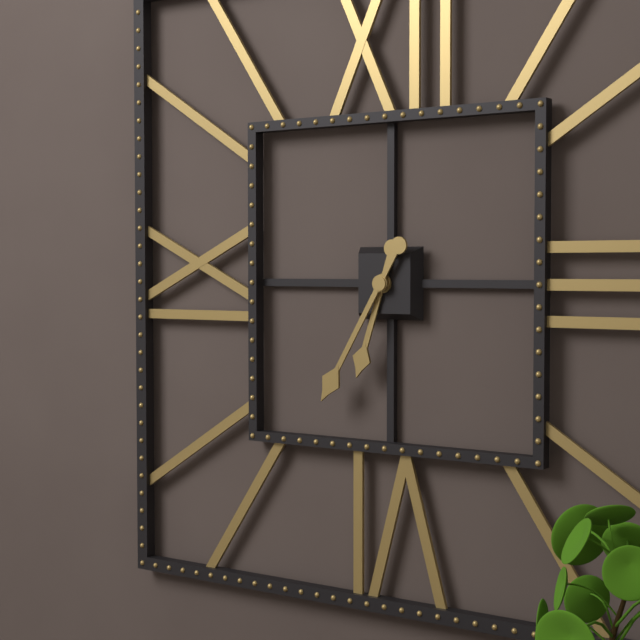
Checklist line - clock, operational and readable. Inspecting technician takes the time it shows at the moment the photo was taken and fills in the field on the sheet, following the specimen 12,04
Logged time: 6,35
